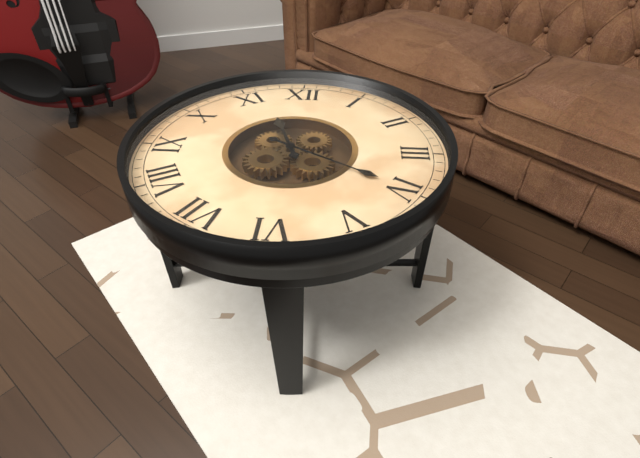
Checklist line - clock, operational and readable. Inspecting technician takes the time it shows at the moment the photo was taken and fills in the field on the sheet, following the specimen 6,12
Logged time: 11,20
